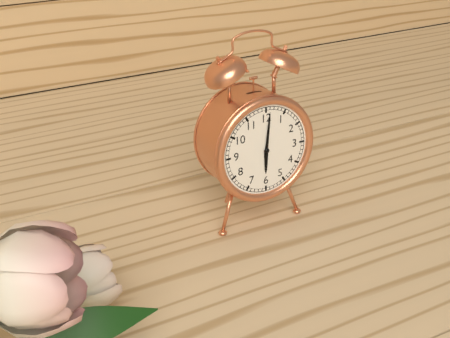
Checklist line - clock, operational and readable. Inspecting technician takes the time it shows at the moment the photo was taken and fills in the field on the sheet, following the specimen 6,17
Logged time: 6,01
